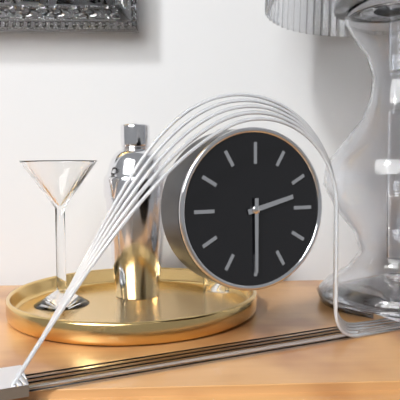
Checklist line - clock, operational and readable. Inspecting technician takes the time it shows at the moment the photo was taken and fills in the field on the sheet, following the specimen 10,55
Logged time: 2,30
